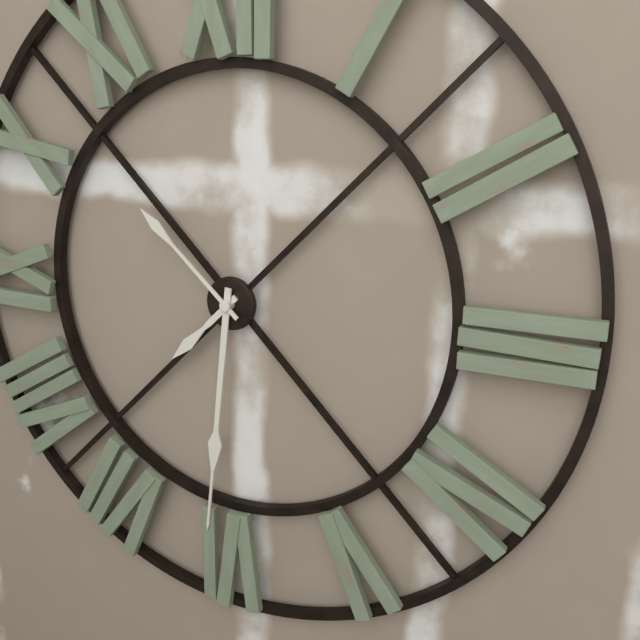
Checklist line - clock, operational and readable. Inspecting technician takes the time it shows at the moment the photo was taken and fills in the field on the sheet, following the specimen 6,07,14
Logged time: 7,31,52
